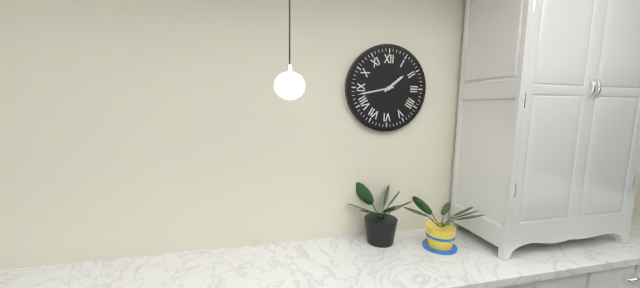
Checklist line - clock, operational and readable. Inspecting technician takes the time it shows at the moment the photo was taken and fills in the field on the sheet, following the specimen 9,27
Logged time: 1,43
